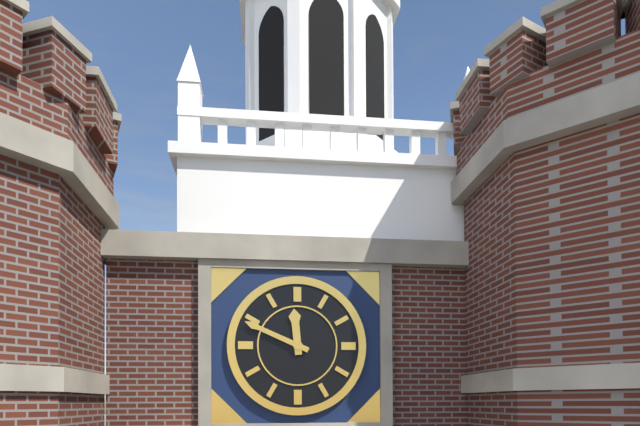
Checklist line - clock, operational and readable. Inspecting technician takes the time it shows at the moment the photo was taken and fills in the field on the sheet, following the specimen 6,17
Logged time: 11,49
